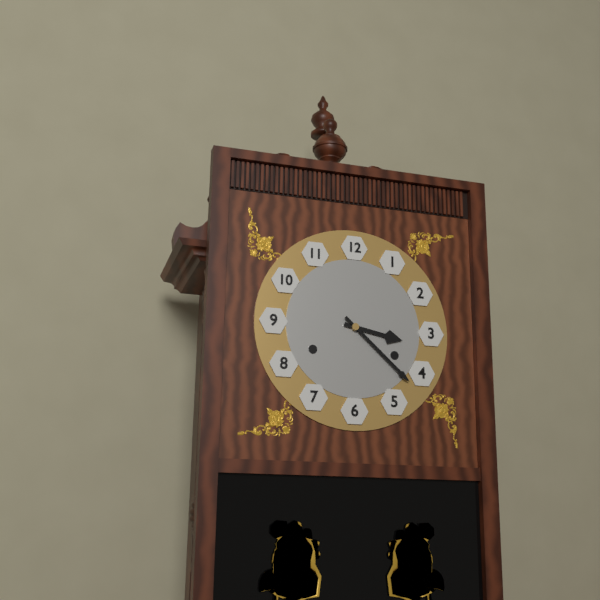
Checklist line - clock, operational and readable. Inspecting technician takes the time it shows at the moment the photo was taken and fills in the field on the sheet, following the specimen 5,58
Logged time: 3,22
